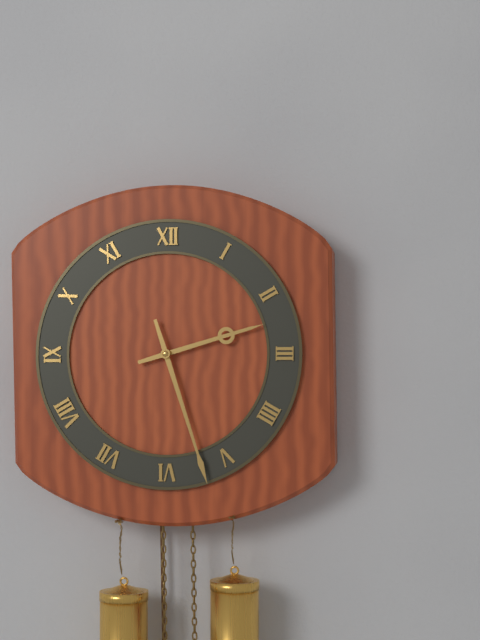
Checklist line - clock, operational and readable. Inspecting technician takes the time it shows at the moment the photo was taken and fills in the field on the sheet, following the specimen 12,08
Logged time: 2,27
